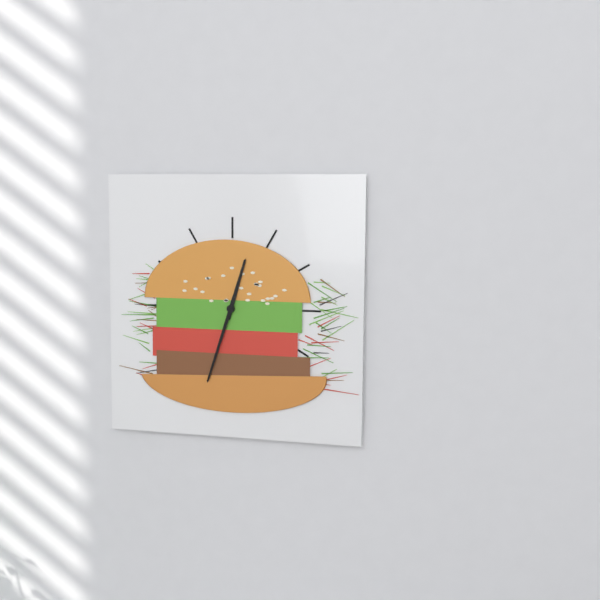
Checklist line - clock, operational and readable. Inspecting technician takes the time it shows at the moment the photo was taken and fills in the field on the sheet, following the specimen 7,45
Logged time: 12,33
